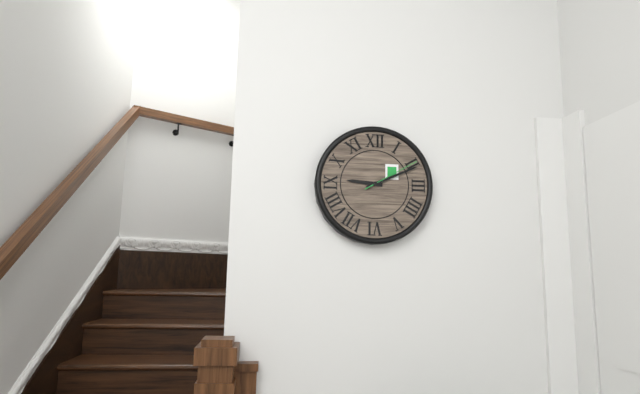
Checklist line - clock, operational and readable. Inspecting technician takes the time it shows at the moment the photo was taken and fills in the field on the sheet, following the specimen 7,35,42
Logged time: 9,11,10
